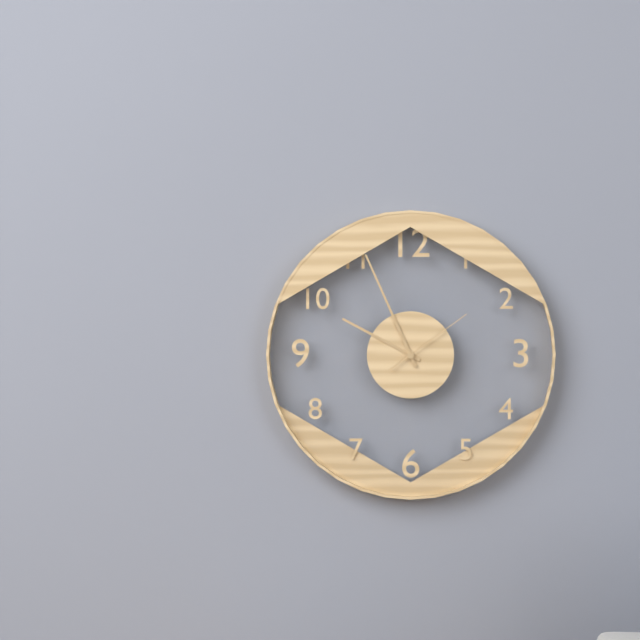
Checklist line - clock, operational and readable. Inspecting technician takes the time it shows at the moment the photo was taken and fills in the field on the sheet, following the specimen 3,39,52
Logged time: 9,56,09
